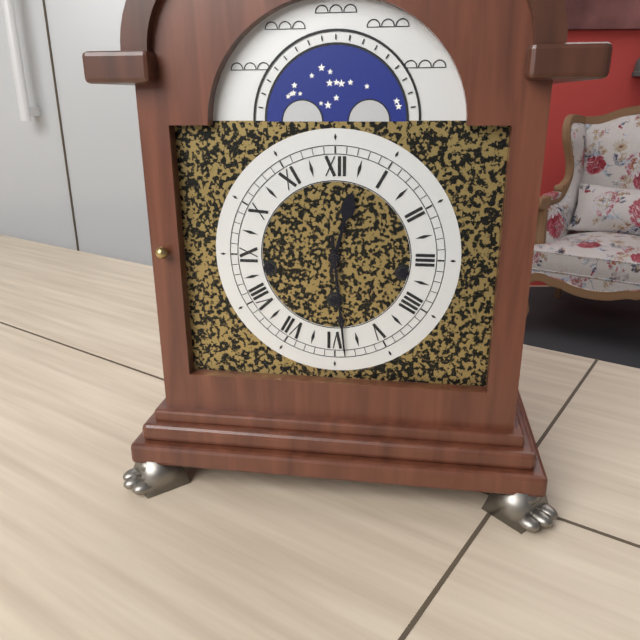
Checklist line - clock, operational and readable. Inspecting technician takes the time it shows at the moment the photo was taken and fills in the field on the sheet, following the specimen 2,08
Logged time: 12,29
